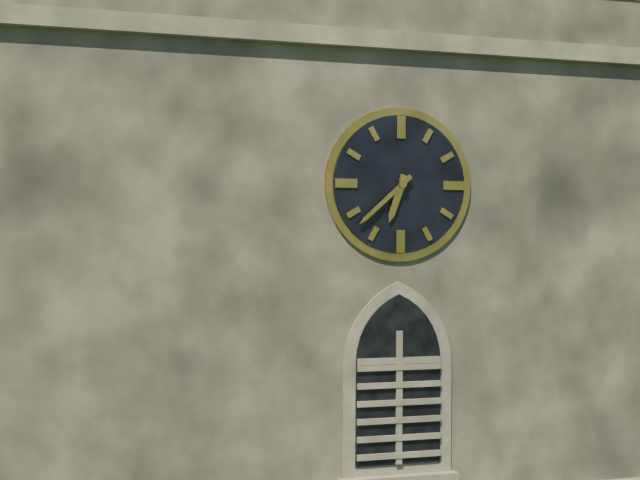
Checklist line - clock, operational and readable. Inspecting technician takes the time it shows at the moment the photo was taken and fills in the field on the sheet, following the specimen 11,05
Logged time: 6,38
